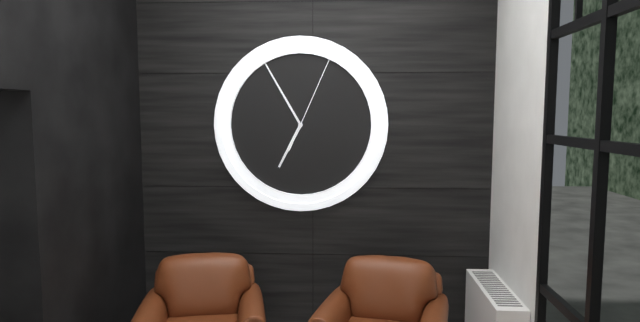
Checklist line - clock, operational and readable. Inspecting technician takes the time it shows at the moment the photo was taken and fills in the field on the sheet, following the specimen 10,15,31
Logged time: 6,55,04
